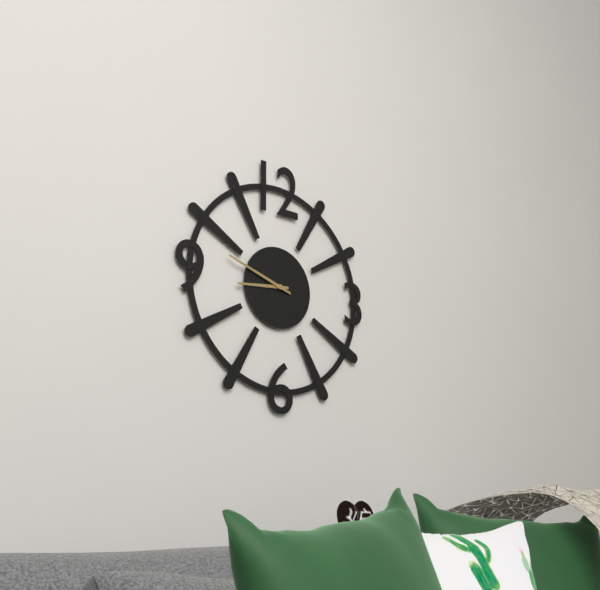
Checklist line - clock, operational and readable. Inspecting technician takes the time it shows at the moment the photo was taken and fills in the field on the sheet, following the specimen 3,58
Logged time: 8,48
